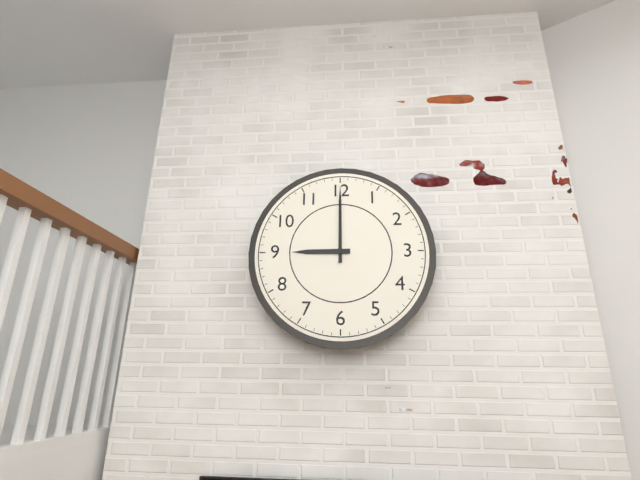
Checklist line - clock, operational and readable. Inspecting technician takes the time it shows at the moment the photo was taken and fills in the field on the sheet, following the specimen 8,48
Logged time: 9,00
